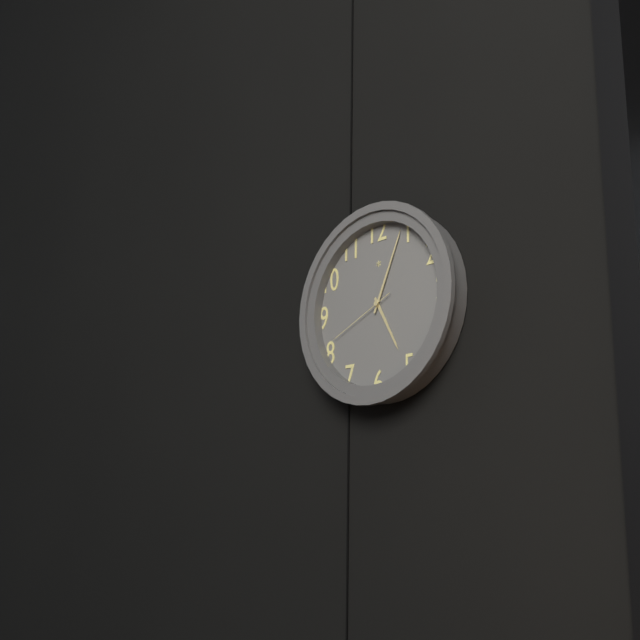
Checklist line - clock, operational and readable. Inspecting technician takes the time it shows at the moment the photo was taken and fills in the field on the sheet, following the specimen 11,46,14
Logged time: 5,04,41
